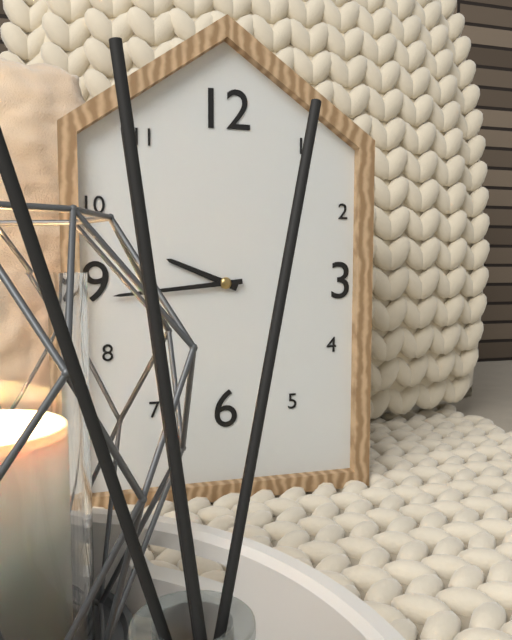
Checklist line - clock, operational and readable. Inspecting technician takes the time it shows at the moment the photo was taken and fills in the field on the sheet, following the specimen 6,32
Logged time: 9,44
